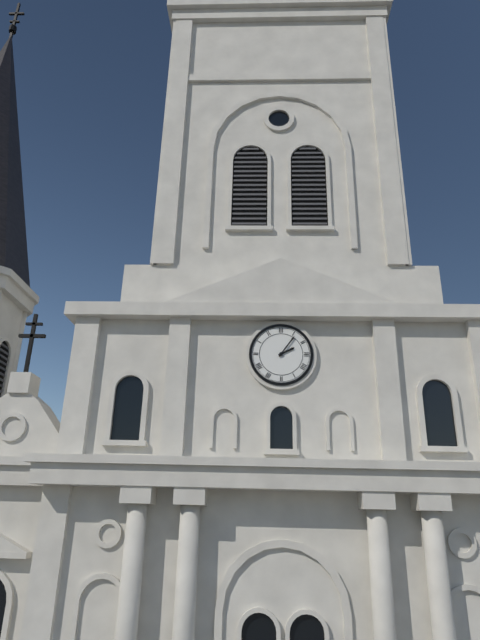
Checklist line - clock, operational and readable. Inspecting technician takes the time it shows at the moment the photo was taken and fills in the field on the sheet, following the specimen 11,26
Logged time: 2,06
